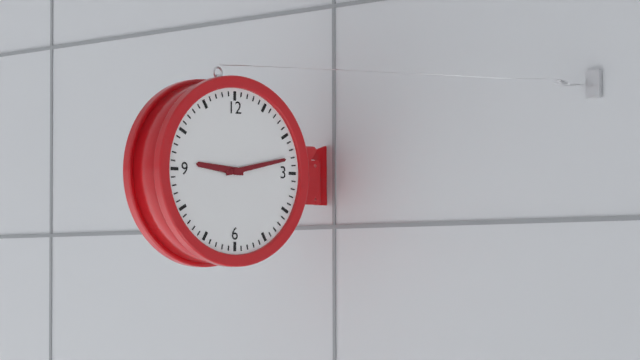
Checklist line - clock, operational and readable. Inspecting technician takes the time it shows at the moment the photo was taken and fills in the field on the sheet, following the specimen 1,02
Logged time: 9,13
